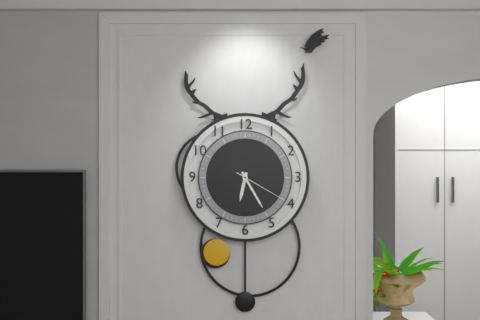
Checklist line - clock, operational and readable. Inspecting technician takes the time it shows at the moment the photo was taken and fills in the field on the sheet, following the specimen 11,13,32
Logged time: 6,25,20
